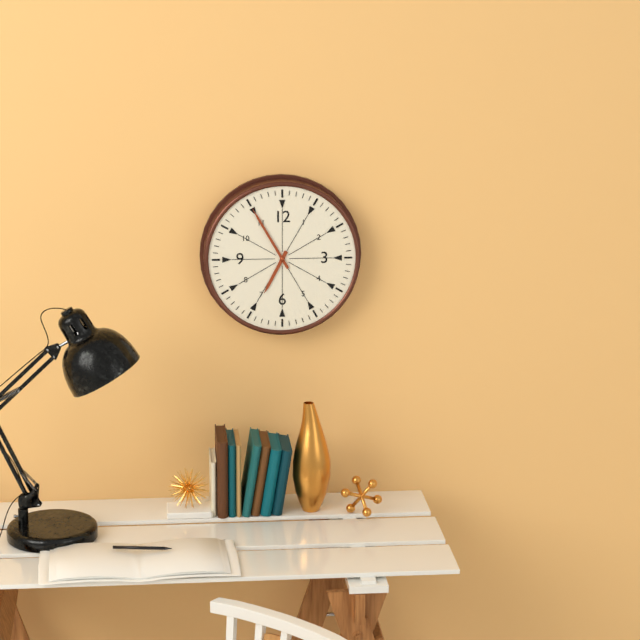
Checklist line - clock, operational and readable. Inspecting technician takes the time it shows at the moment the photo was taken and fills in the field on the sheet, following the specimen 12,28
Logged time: 6,55
